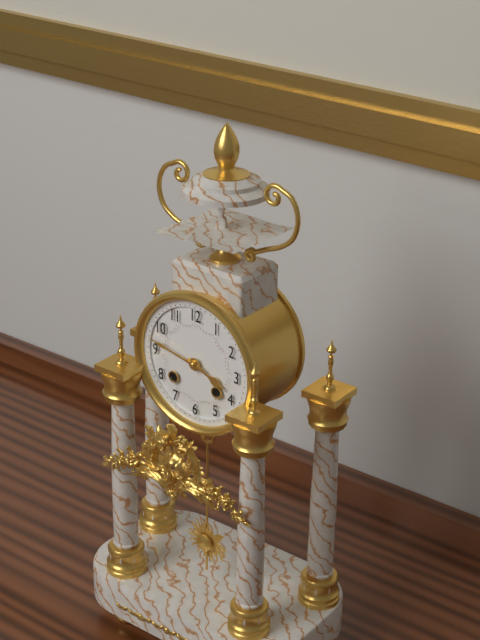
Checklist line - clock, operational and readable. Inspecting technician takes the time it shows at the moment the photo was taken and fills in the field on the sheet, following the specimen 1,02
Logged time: 3,47
